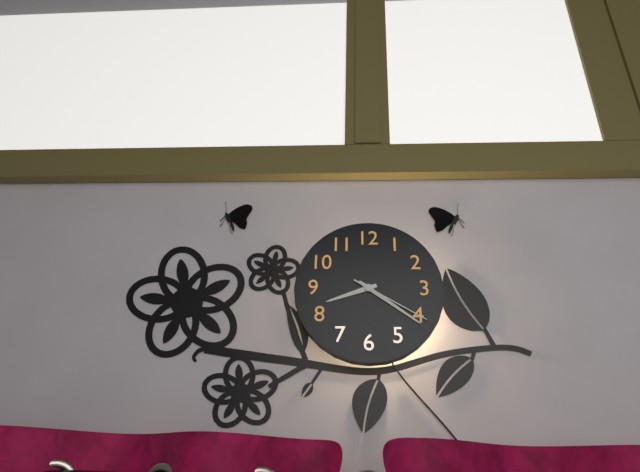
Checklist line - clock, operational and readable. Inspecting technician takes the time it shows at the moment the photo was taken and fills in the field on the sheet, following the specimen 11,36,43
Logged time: 8,21,20
